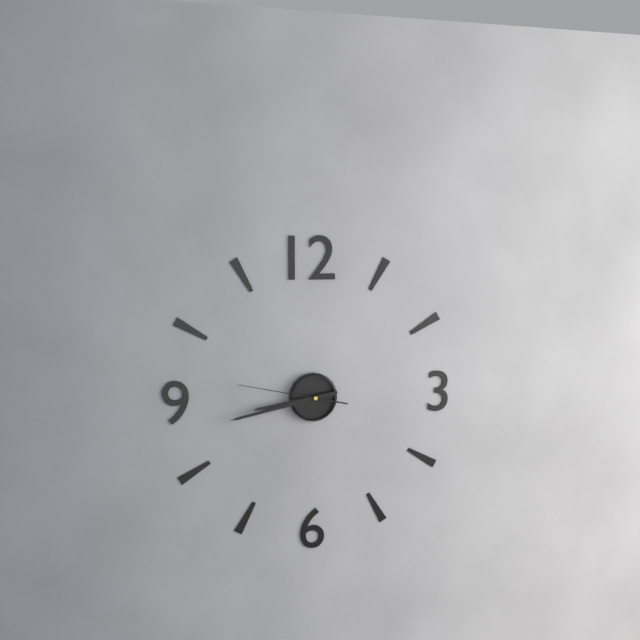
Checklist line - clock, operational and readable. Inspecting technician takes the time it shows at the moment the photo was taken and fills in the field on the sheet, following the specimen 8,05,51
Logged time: 8,43,47
